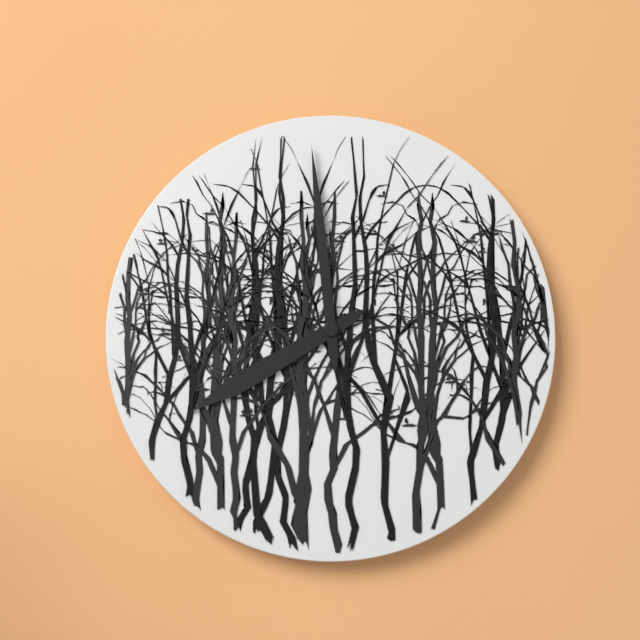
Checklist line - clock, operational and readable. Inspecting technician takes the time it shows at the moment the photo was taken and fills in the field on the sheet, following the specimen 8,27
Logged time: 7,59
